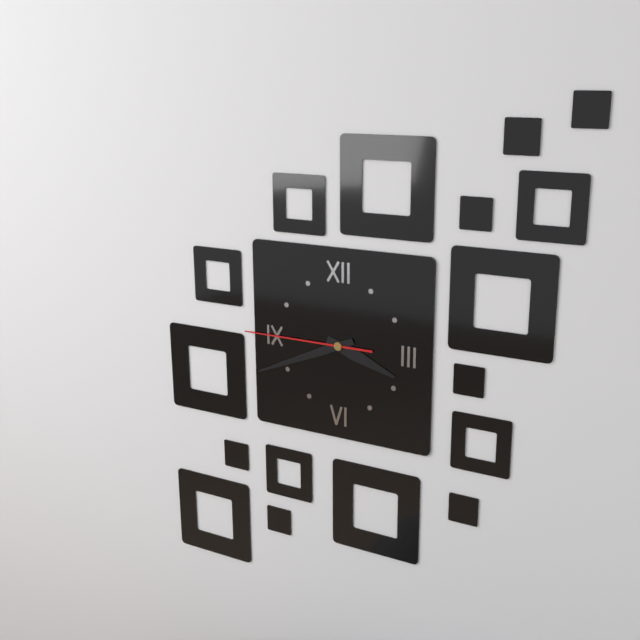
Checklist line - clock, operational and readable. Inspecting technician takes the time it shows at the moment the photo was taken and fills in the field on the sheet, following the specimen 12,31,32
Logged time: 3,41,45
